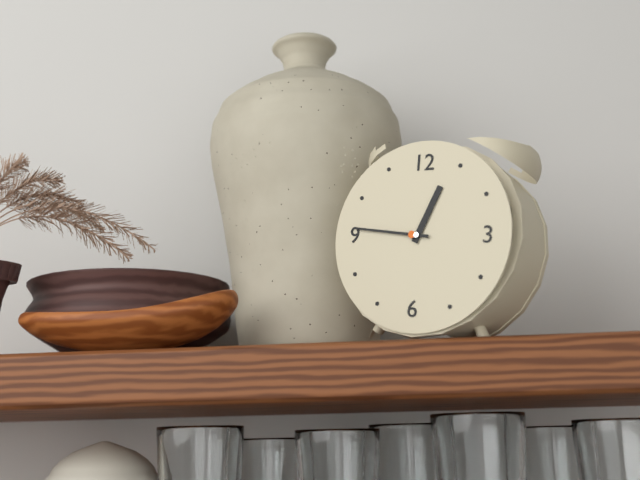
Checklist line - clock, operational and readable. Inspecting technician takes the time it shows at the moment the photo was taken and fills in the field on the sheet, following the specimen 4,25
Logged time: 12,46
